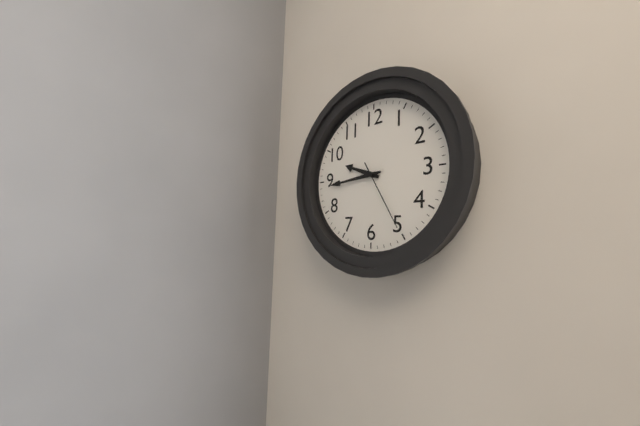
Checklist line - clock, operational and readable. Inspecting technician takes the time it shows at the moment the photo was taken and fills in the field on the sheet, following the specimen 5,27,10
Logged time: 9,44,25
